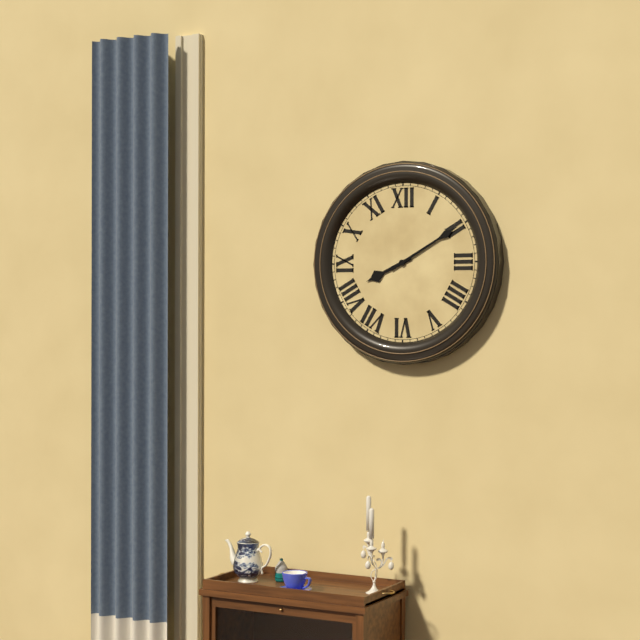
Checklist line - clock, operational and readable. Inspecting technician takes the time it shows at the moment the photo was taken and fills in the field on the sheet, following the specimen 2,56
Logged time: 8,10
